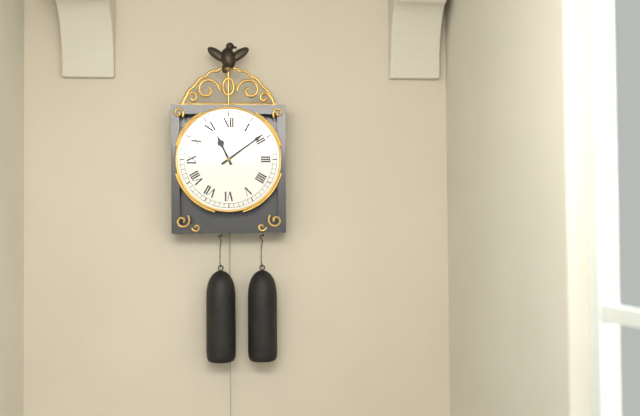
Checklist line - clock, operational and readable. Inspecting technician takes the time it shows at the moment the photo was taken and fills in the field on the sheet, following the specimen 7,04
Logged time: 11,09
